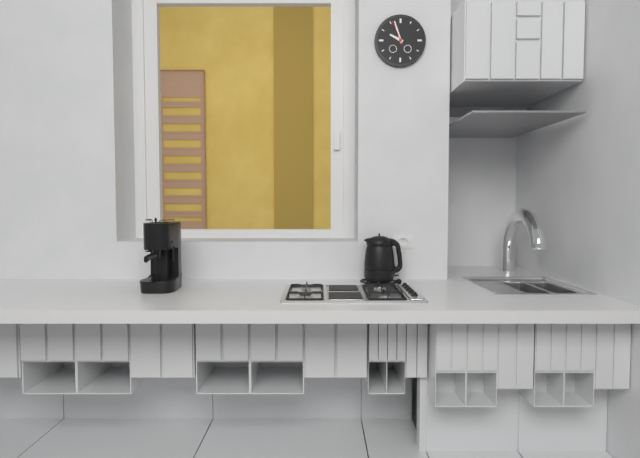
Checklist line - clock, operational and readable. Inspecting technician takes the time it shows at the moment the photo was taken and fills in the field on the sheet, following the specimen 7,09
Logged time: 9,57
